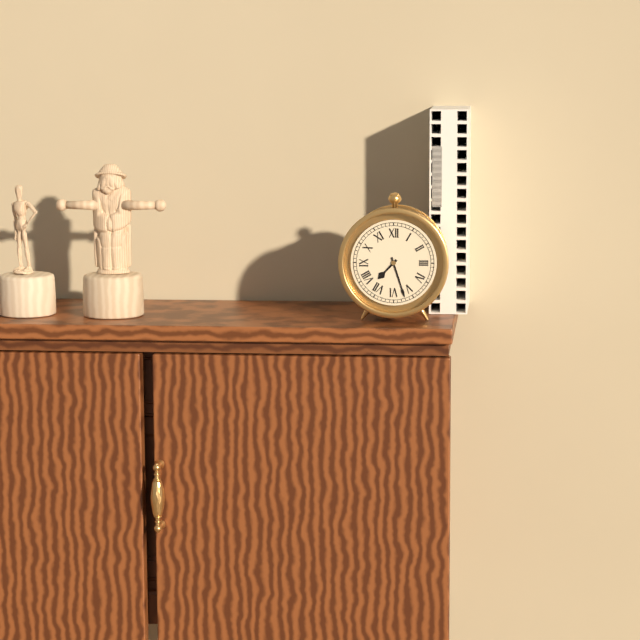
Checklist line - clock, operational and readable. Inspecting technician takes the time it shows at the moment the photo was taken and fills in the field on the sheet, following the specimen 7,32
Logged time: 7,27
